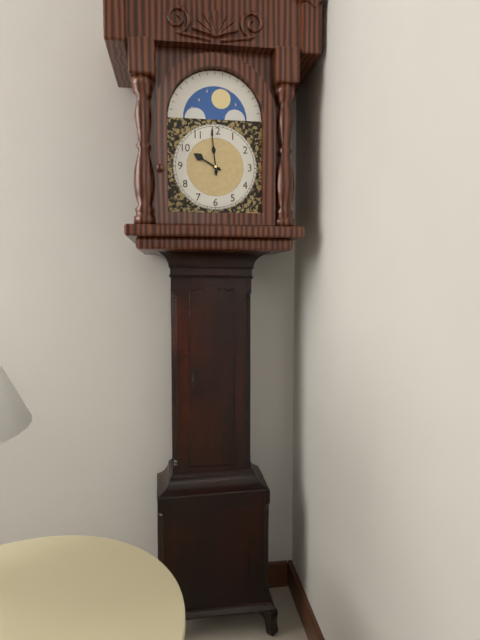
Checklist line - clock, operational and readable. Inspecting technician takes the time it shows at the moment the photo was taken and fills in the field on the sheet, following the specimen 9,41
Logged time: 9,59
